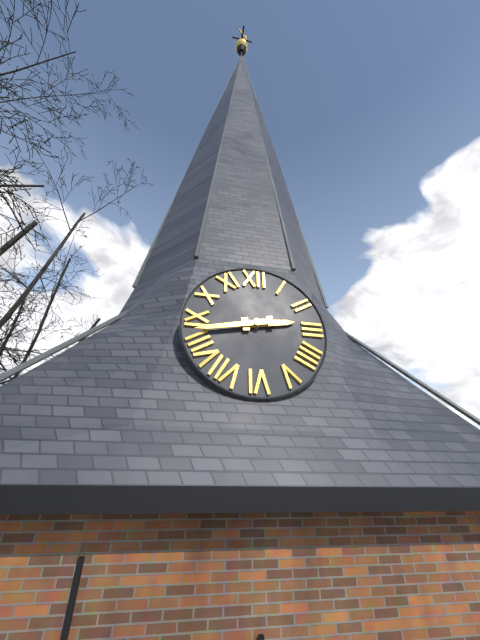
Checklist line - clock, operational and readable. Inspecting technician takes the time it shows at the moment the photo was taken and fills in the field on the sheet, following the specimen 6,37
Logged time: 2,43
